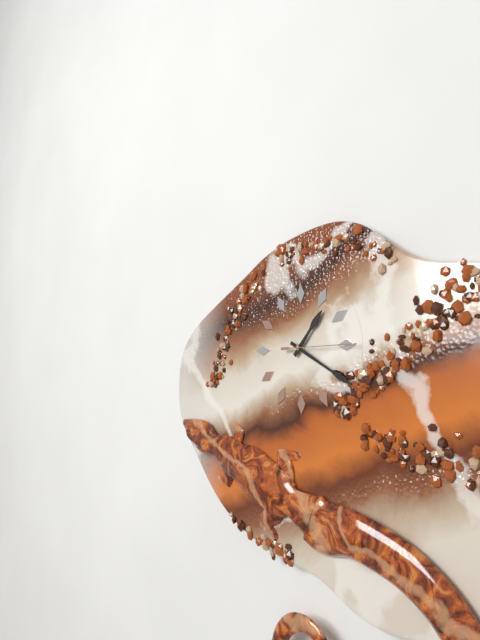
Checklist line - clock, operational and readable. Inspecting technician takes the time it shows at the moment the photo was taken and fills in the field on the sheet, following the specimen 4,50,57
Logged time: 1,20,15
